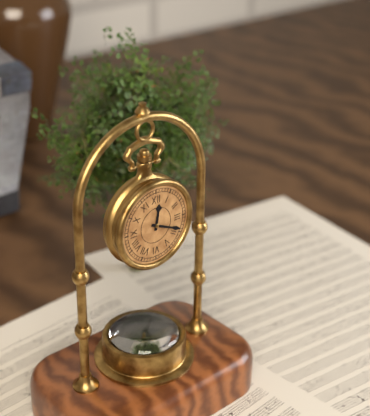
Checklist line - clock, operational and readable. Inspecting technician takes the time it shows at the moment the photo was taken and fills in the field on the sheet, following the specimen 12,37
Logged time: 12,19
